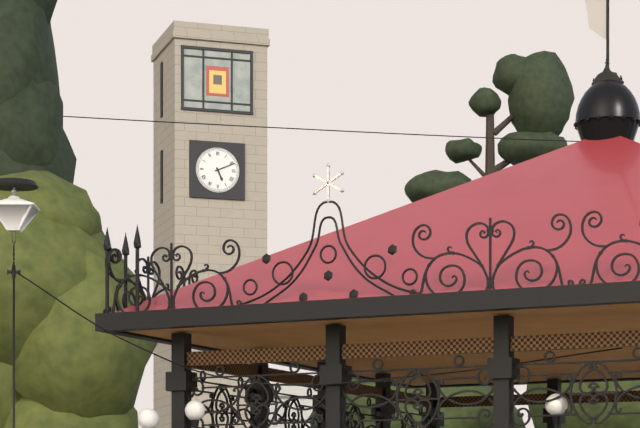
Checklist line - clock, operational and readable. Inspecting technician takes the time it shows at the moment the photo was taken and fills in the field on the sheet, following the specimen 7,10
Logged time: 5,11
